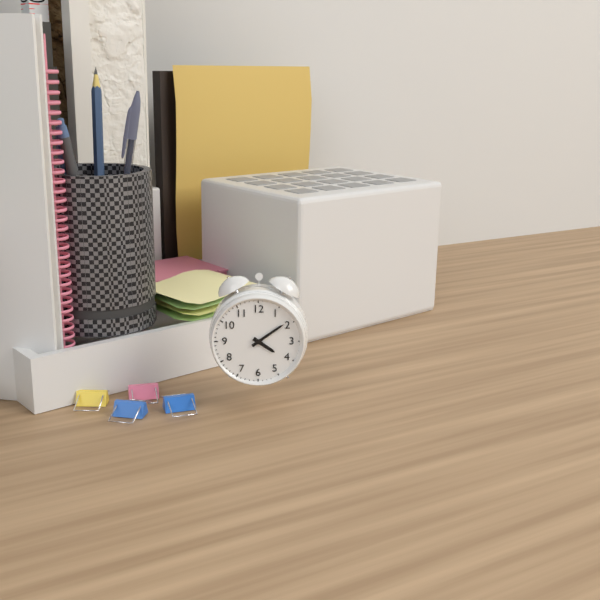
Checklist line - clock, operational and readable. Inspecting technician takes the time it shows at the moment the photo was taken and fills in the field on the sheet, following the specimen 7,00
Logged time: 4,09
